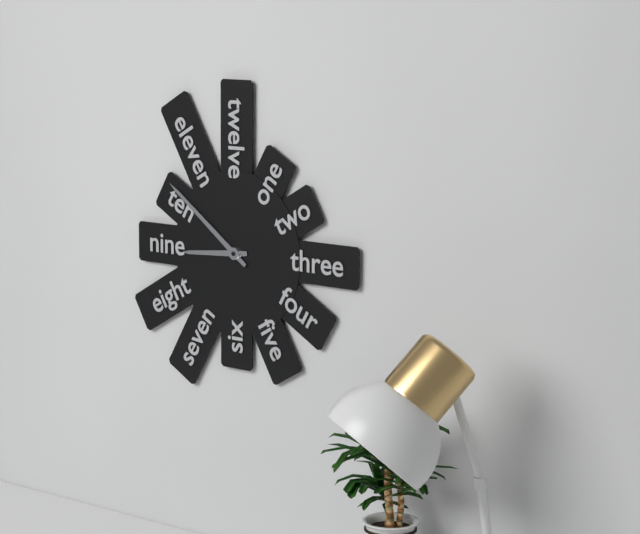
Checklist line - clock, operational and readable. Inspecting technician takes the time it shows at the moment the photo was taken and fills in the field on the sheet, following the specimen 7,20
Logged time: 8,51
